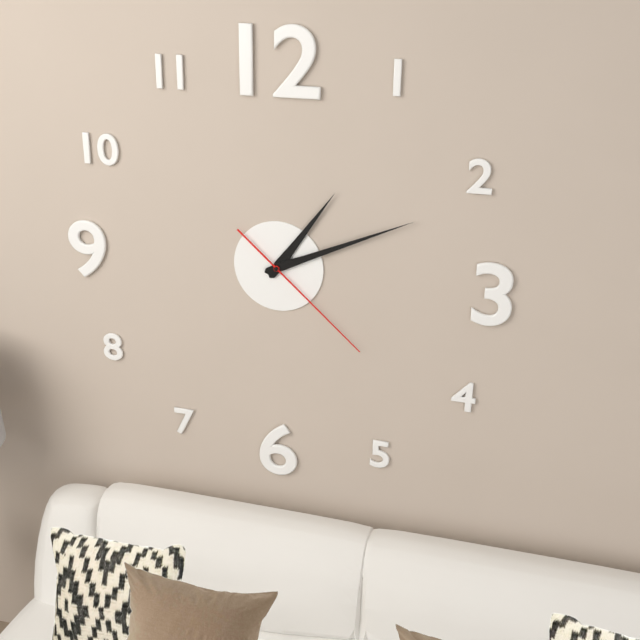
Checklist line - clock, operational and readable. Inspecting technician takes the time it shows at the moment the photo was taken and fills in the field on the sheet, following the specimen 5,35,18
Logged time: 1,11,22
